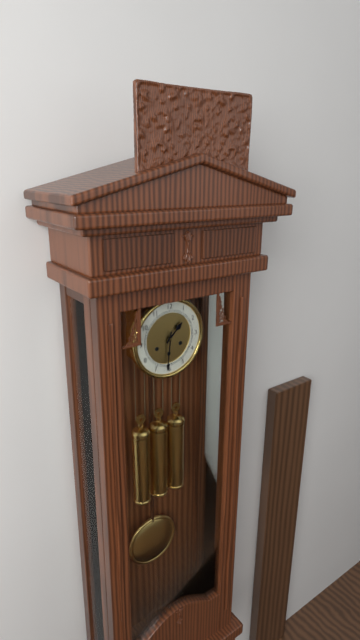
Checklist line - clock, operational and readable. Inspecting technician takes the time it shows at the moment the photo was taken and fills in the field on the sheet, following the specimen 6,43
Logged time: 1,31
